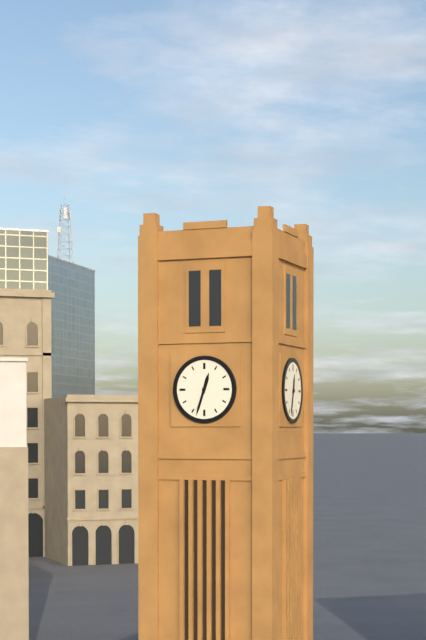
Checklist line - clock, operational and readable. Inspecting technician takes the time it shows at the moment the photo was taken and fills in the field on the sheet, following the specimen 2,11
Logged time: 12,33
